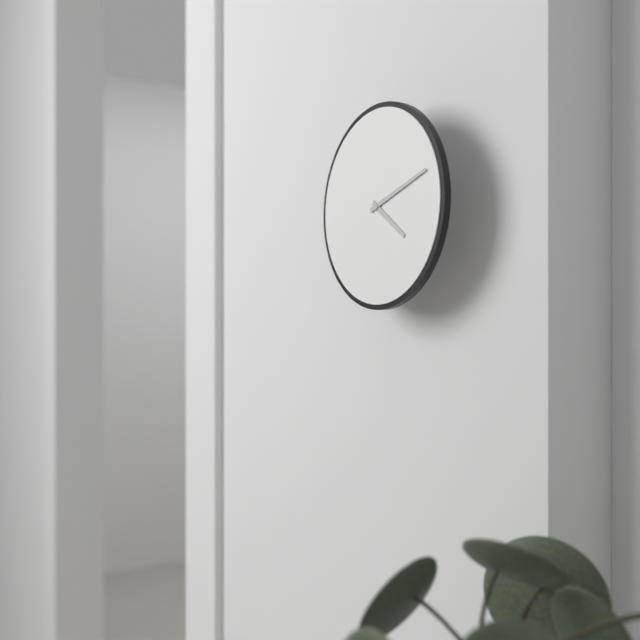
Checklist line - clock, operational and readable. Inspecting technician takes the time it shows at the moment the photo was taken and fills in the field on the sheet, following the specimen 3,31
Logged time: 4,12
